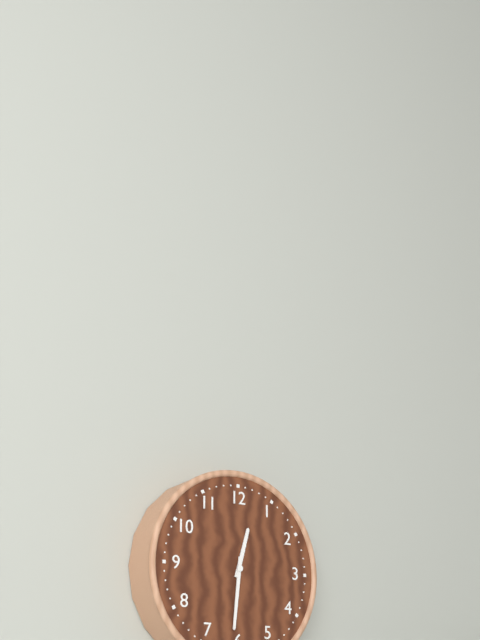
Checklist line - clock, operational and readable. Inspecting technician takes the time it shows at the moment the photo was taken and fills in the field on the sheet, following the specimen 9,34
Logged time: 12,31
